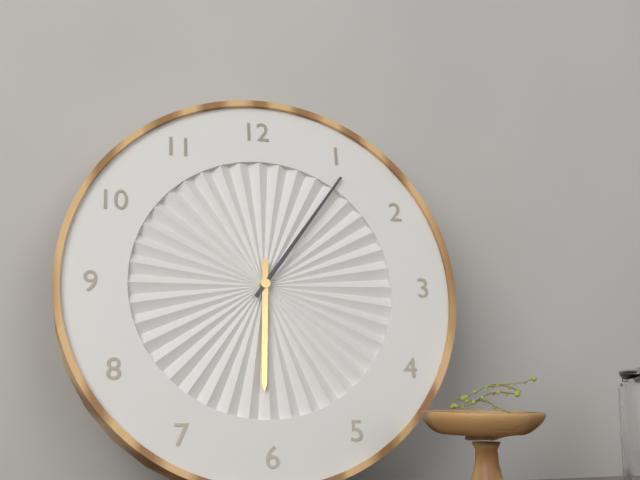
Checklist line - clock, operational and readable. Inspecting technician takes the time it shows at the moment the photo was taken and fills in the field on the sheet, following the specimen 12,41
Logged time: 6,06
